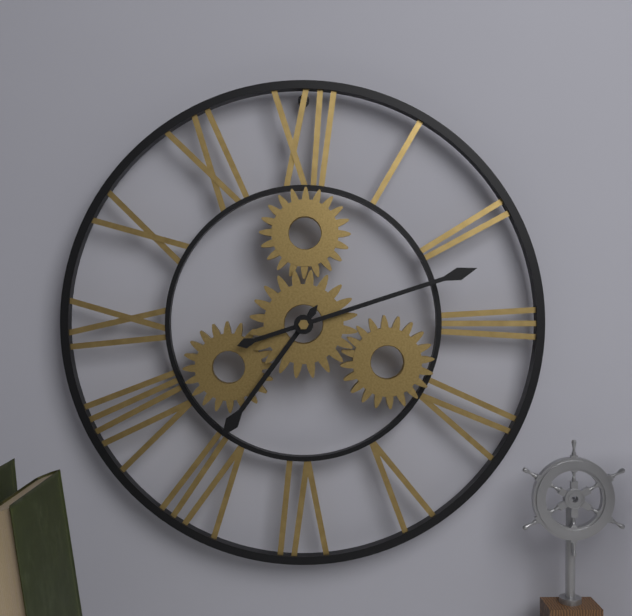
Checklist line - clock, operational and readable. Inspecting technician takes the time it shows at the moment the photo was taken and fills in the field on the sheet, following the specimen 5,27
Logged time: 7,12
